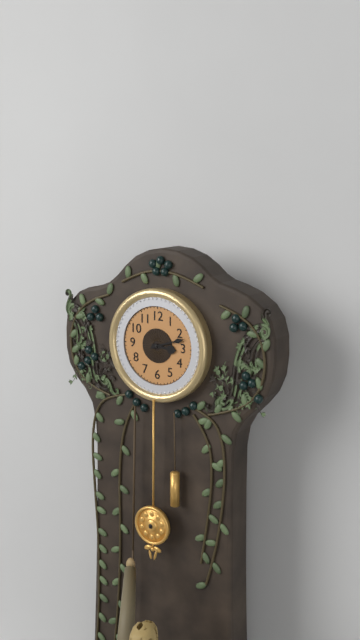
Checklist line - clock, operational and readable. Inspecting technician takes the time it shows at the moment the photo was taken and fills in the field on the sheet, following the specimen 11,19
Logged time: 3,12
